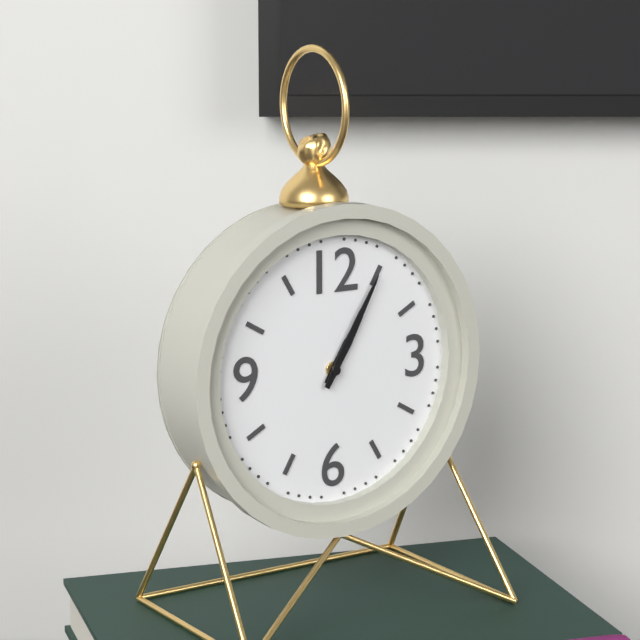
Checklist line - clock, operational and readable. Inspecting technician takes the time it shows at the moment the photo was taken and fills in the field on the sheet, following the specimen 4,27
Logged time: 1,05
